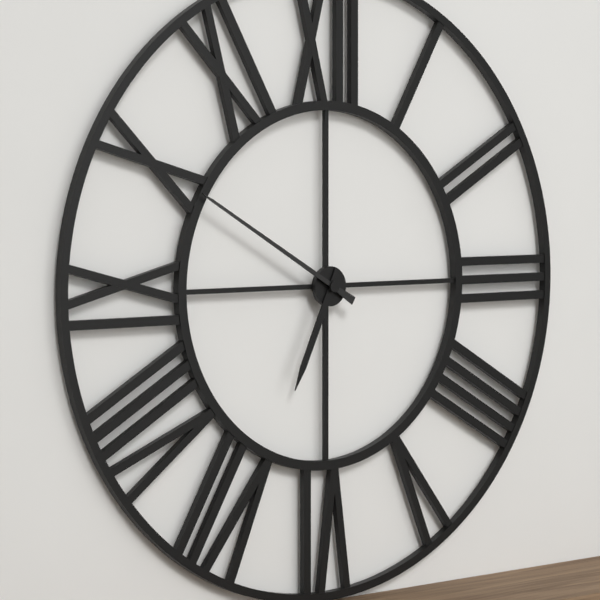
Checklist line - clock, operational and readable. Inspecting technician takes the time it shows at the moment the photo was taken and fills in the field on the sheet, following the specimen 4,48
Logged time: 6,50
